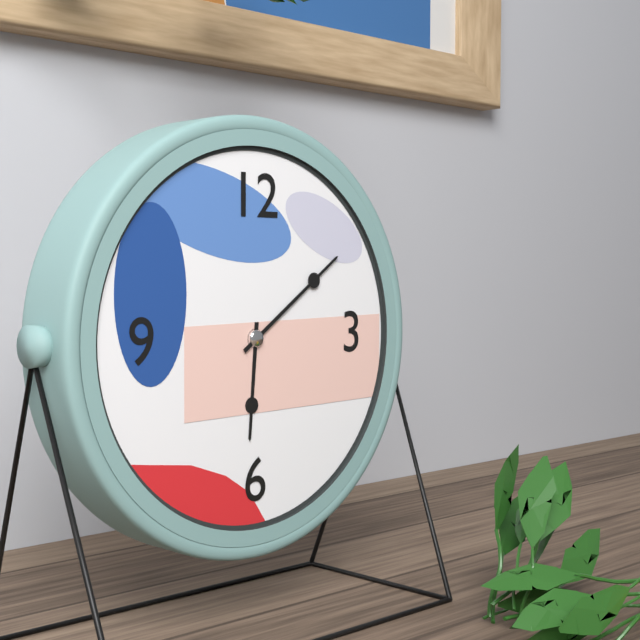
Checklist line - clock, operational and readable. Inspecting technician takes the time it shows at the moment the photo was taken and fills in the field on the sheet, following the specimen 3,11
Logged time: 6,09
